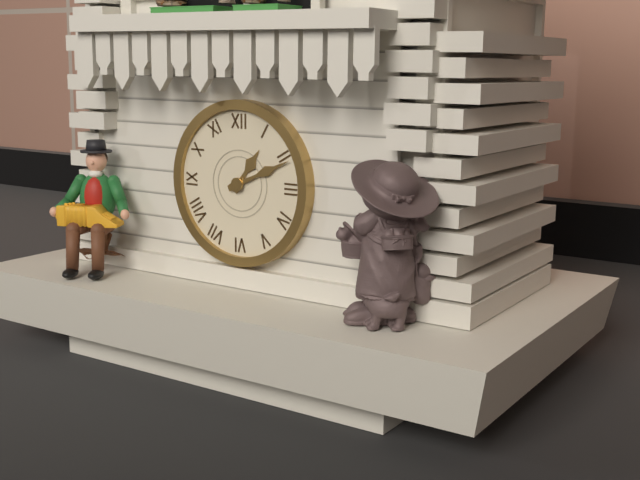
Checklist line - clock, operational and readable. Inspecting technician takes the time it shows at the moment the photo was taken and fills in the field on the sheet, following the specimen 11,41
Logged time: 1,11
